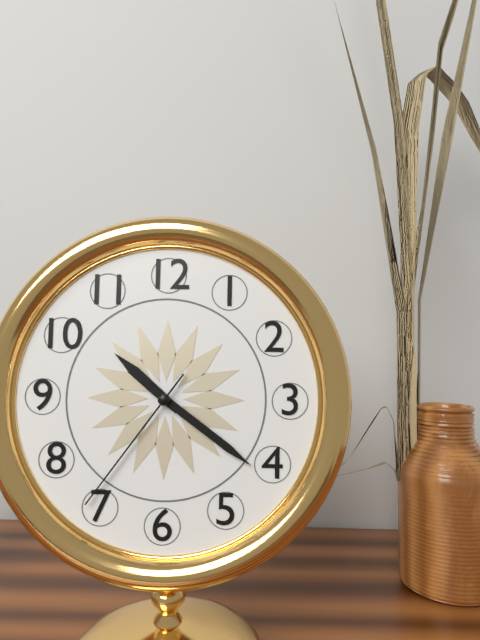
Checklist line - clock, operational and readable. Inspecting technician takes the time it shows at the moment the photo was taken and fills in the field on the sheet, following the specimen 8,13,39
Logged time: 10,21,36
